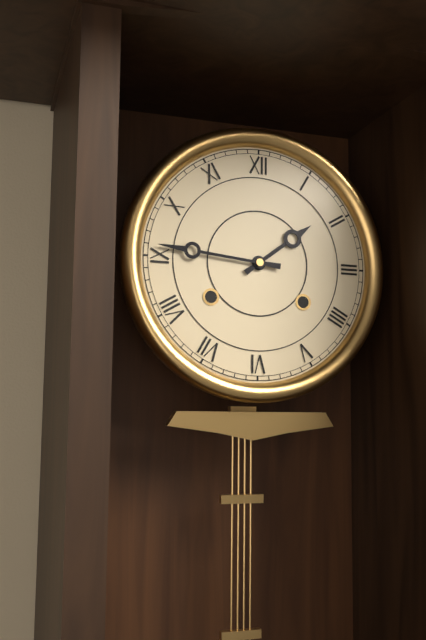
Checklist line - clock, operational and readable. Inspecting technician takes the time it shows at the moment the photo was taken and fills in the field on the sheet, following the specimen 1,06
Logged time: 1,46
